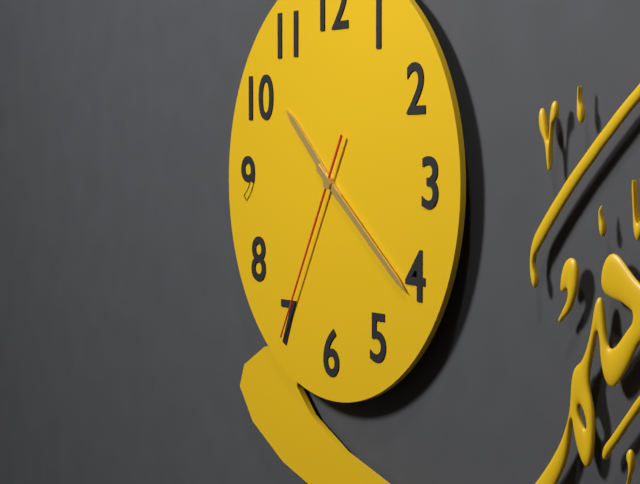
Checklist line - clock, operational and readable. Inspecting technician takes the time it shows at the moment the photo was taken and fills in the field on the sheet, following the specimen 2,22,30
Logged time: 10,21,35
